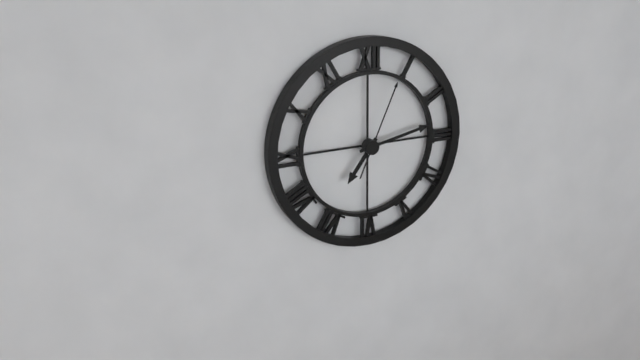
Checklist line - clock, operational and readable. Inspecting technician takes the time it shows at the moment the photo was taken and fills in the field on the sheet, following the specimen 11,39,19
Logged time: 7,13,04
